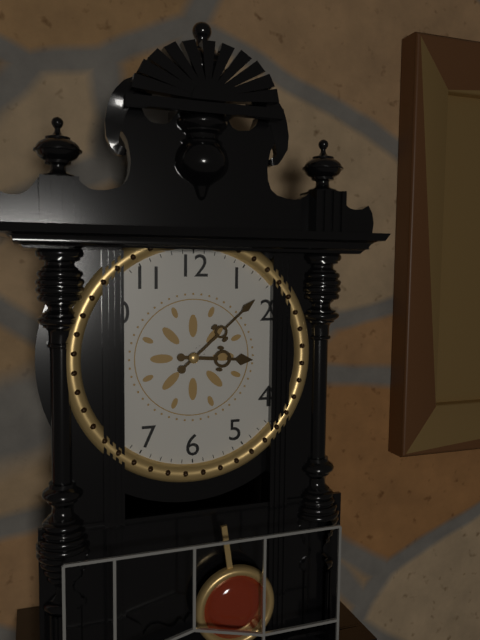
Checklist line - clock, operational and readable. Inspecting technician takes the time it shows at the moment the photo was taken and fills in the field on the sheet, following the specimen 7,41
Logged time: 3,08
